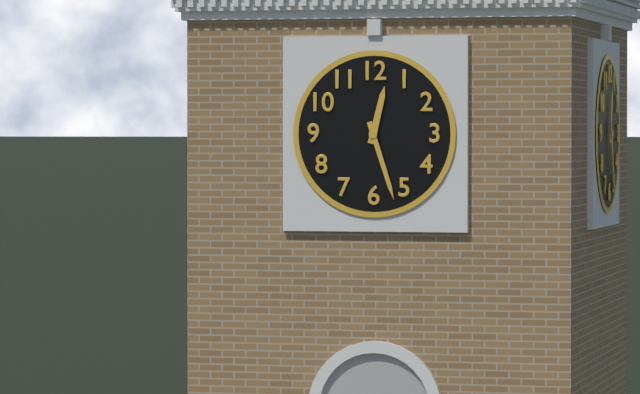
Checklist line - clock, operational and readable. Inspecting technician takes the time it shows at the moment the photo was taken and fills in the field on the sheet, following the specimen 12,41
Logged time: 12,27
